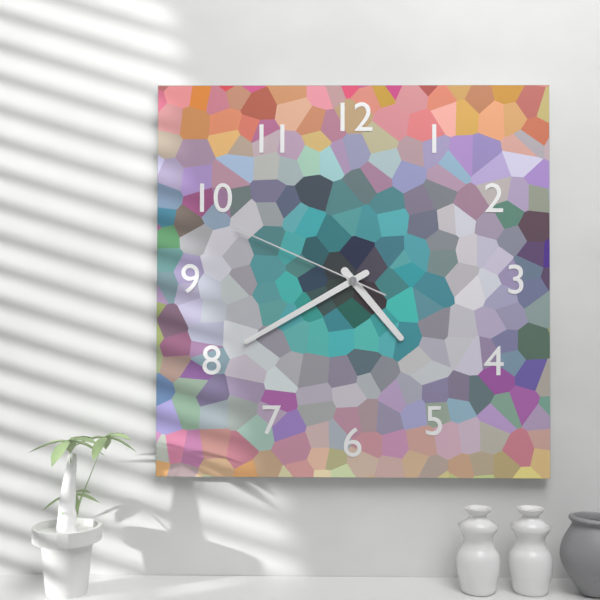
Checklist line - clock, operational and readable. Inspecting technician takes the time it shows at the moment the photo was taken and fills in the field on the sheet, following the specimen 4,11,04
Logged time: 4,40,49
